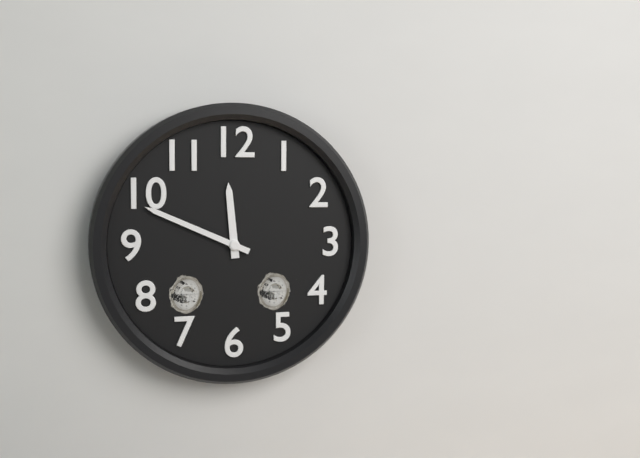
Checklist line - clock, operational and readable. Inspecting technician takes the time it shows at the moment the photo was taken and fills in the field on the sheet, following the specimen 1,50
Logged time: 11,49
